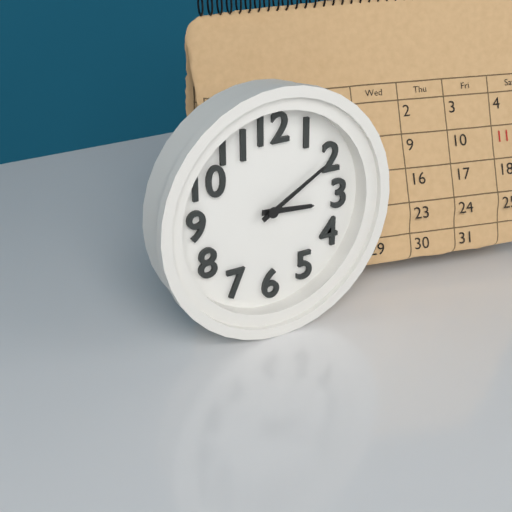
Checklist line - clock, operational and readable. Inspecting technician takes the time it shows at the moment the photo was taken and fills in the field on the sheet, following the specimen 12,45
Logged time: 3,10
